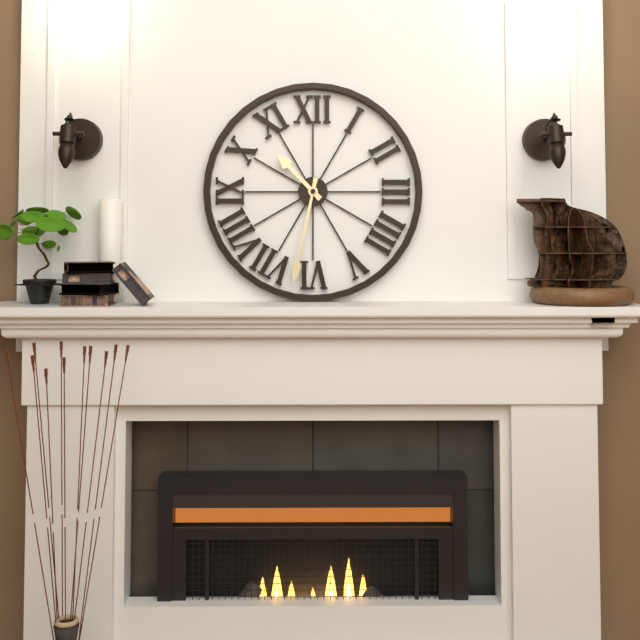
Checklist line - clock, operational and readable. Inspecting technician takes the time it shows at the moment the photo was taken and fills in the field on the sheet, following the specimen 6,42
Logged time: 10,32
